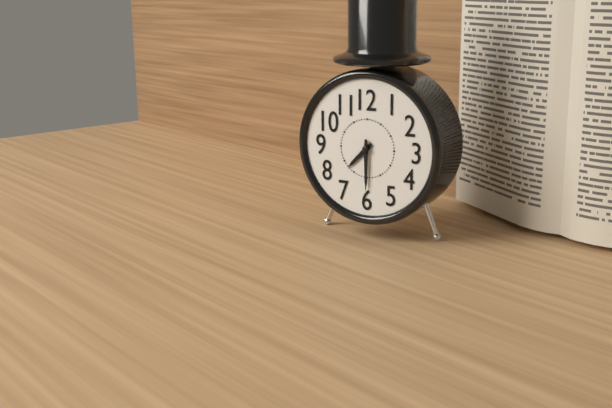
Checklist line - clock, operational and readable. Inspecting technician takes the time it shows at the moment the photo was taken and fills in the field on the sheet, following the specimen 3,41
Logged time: 7,30
